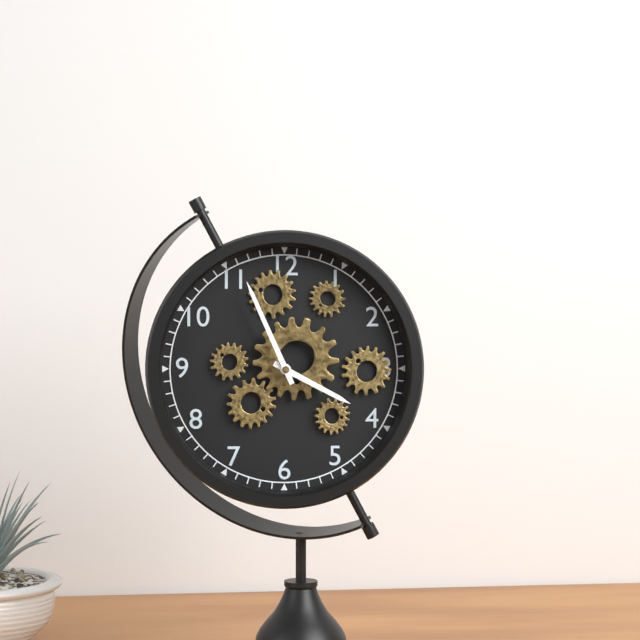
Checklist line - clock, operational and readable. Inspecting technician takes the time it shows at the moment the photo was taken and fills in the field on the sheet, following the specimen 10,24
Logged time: 3,56
